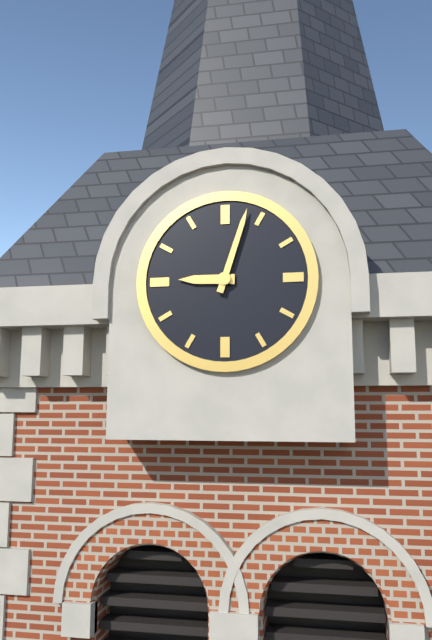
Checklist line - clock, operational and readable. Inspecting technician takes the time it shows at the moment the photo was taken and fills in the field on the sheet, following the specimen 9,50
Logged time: 9,03
